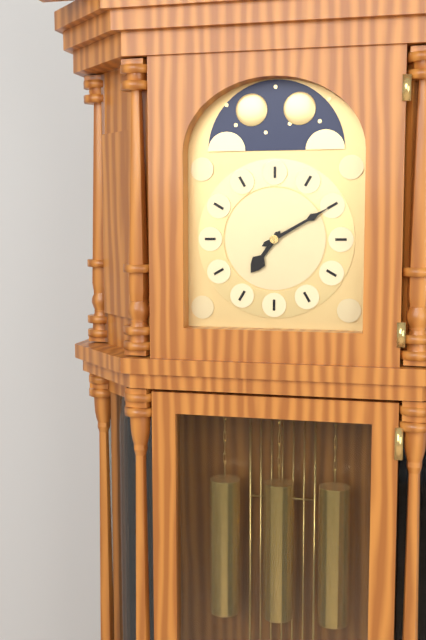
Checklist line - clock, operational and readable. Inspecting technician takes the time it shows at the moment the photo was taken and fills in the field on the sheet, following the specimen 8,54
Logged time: 7,10
